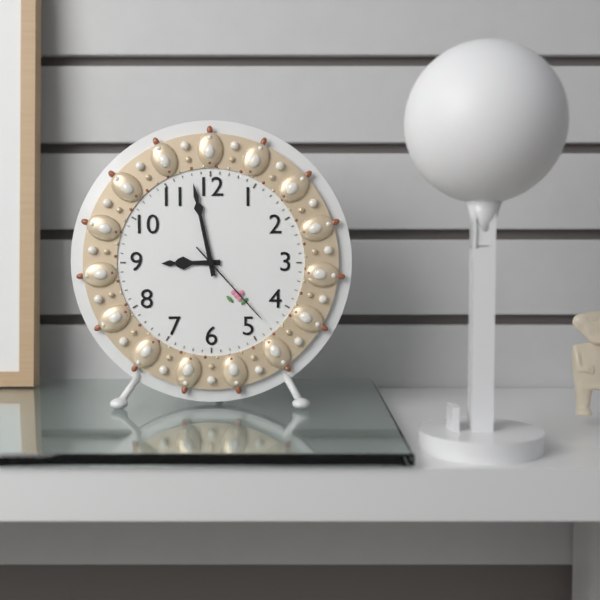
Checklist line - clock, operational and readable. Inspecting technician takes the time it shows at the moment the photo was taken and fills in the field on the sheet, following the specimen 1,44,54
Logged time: 8,58,23
